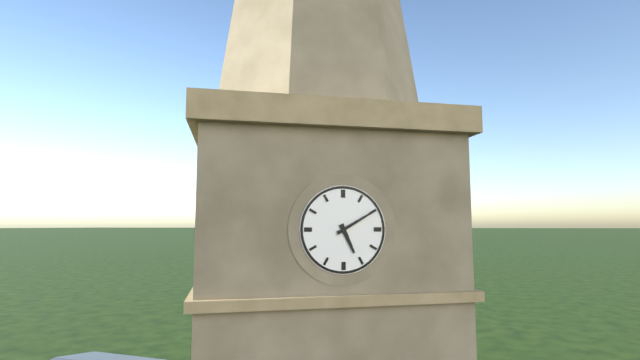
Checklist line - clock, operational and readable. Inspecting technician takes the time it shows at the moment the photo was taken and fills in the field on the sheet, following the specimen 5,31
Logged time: 5,10
